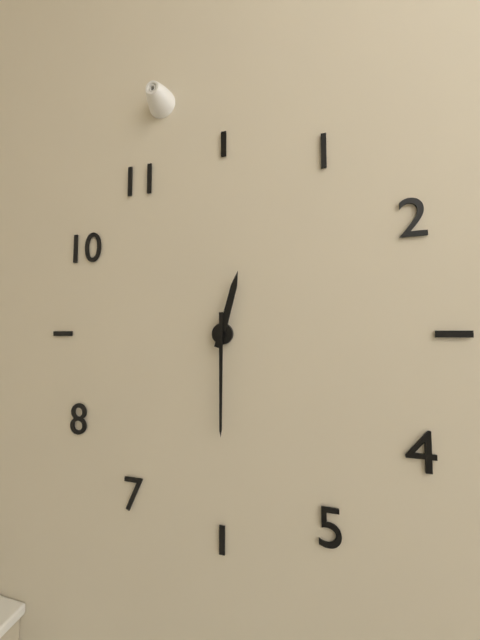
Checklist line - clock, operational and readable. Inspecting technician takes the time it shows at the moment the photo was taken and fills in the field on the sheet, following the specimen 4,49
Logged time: 12,30
